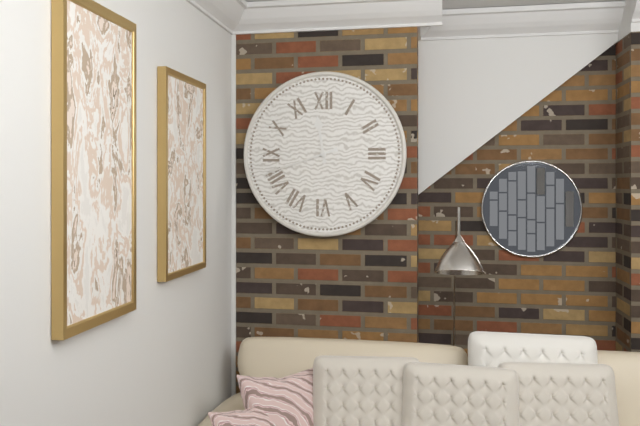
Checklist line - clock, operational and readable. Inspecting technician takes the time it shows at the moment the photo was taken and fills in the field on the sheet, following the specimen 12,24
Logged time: 11,42
